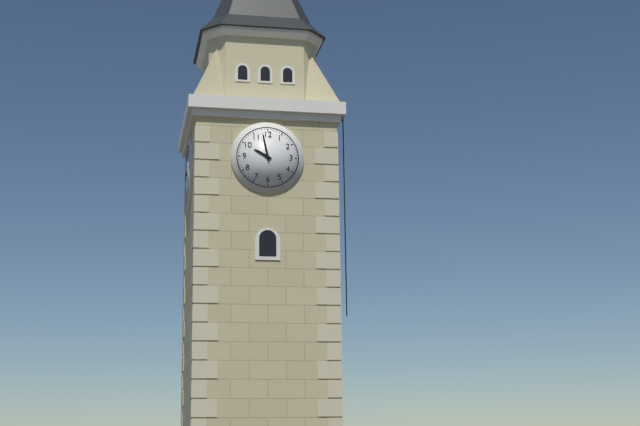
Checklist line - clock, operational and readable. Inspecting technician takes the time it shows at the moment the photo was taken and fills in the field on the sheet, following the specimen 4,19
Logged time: 9,58
